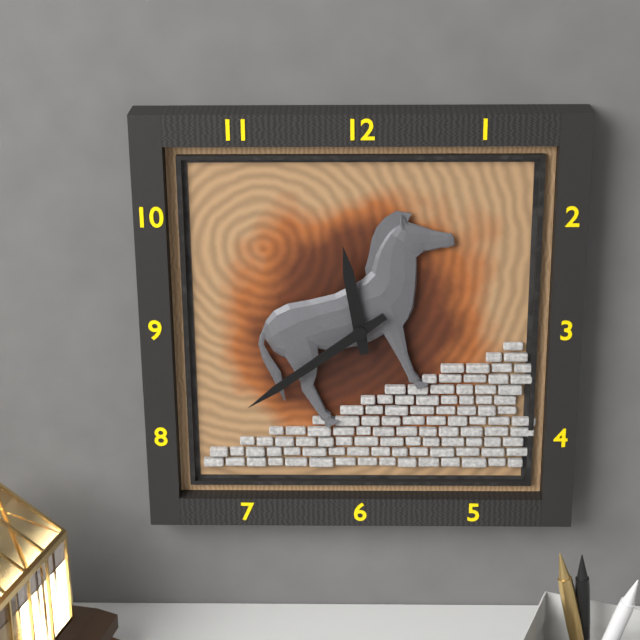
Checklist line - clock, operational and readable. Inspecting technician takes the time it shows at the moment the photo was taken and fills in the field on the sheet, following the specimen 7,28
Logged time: 11,39
